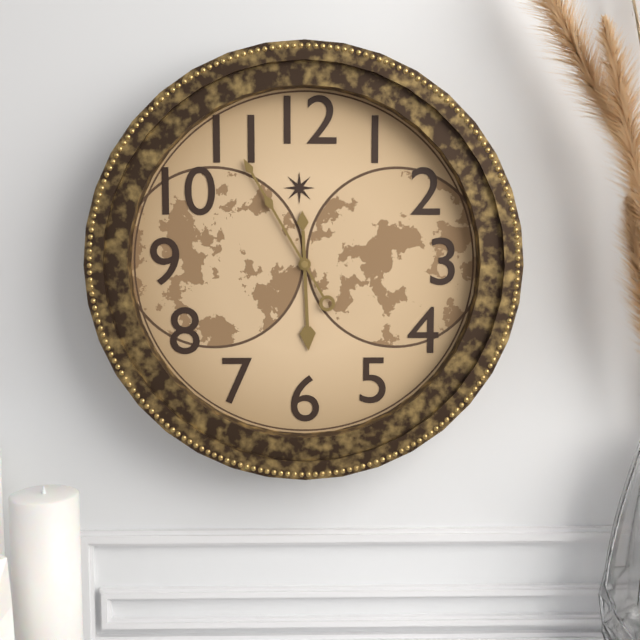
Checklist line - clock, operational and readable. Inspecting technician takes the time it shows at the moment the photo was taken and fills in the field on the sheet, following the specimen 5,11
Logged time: 5,55
